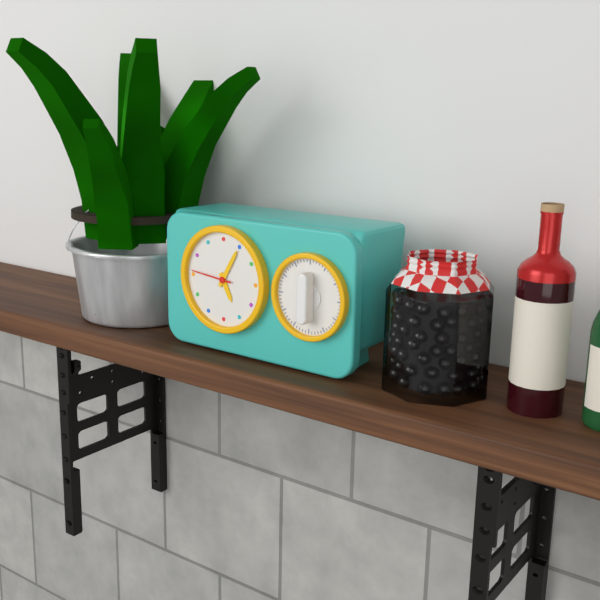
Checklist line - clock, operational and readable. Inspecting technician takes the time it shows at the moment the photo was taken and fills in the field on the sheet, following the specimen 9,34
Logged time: 5,05
